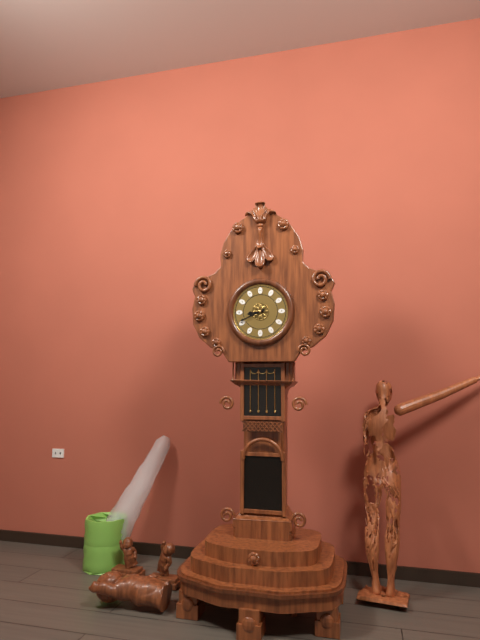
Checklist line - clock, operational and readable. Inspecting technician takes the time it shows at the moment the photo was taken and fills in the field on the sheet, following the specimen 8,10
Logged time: 8,41
